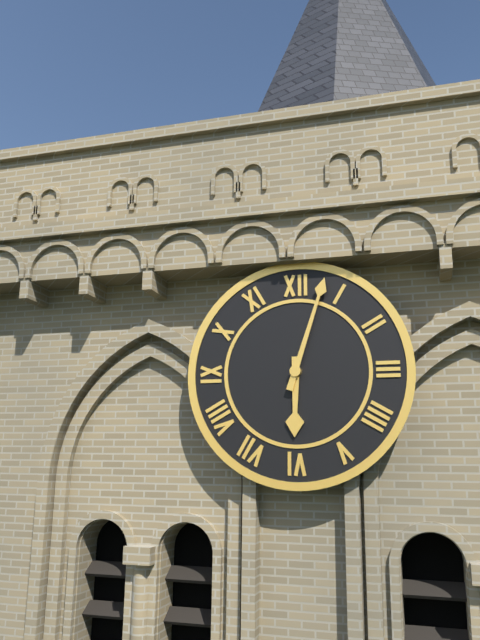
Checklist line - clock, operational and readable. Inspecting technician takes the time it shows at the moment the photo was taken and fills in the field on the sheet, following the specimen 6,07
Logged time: 6,03
